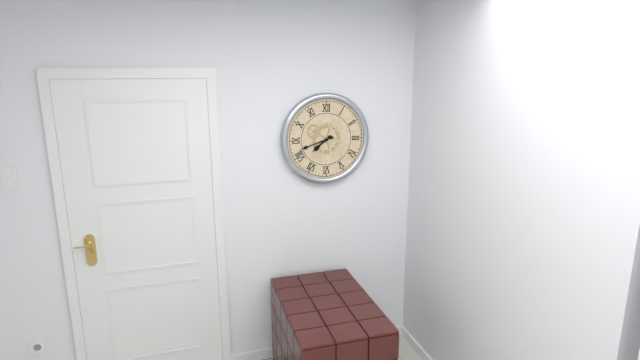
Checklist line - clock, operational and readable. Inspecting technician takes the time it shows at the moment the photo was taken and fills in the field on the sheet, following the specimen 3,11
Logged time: 7,42
